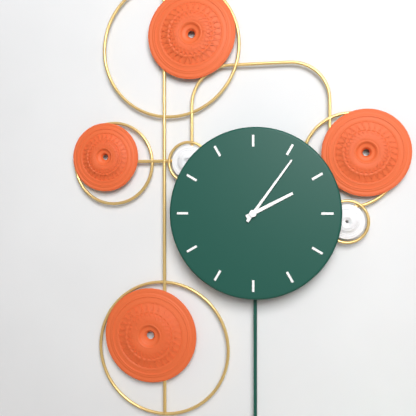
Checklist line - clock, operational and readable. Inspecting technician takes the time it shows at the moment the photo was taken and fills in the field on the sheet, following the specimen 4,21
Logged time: 2,06
